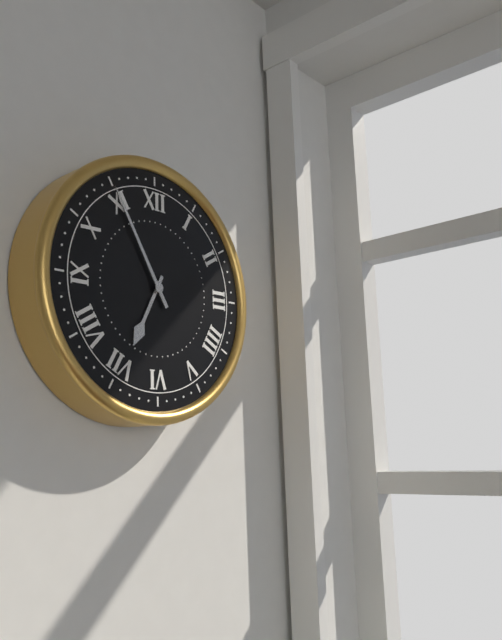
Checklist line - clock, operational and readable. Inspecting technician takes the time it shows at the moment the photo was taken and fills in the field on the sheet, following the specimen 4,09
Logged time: 6,55
